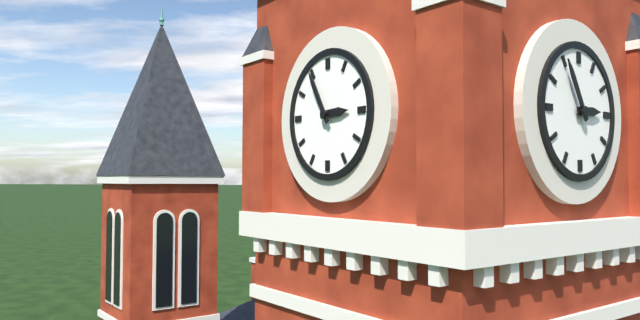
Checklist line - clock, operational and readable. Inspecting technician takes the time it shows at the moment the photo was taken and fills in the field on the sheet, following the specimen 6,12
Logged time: 2,55
